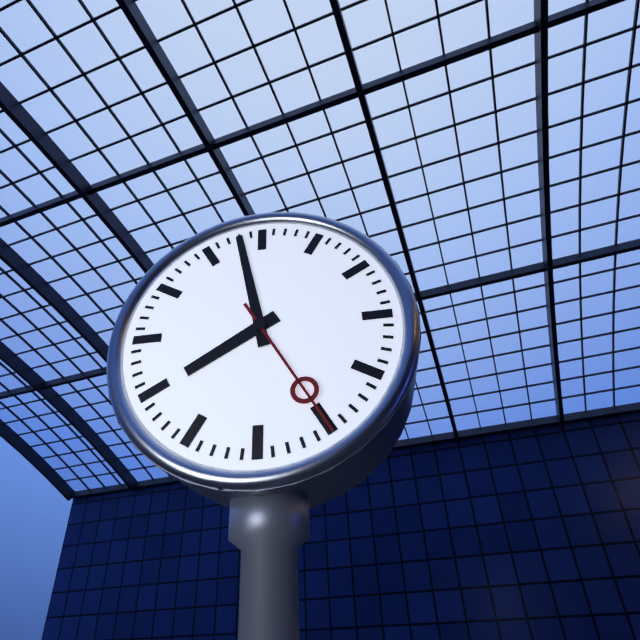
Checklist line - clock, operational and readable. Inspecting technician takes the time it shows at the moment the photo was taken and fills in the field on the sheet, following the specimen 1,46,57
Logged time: 7,58,25
